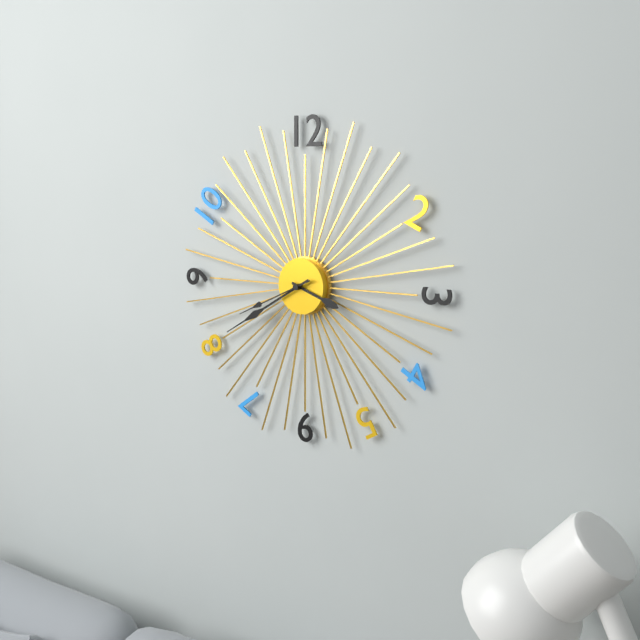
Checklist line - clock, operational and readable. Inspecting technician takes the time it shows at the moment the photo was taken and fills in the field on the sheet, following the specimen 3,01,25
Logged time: 3,40,41
